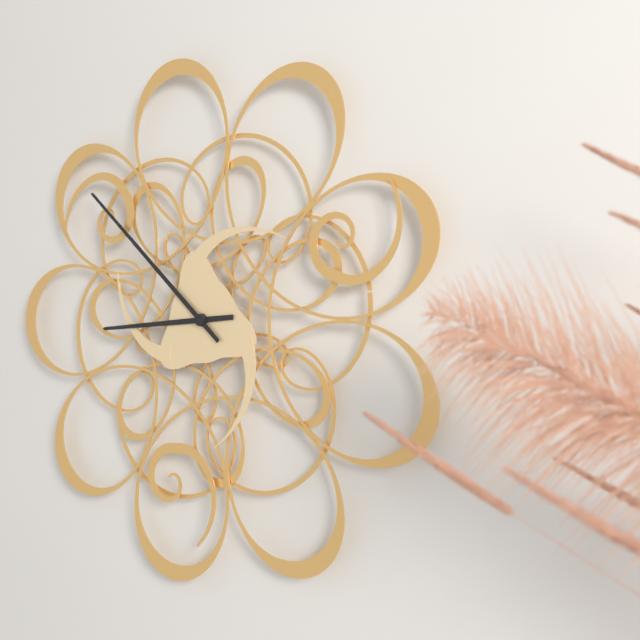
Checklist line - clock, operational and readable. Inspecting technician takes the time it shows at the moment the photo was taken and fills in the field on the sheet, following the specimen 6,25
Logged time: 8,52
